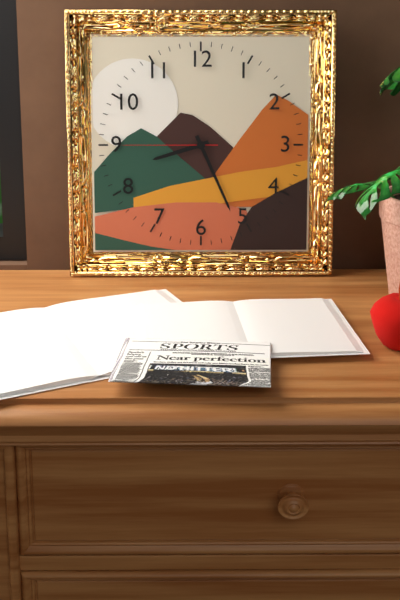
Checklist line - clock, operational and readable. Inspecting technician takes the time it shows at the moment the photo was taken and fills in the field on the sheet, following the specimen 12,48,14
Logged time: 8,26,45
